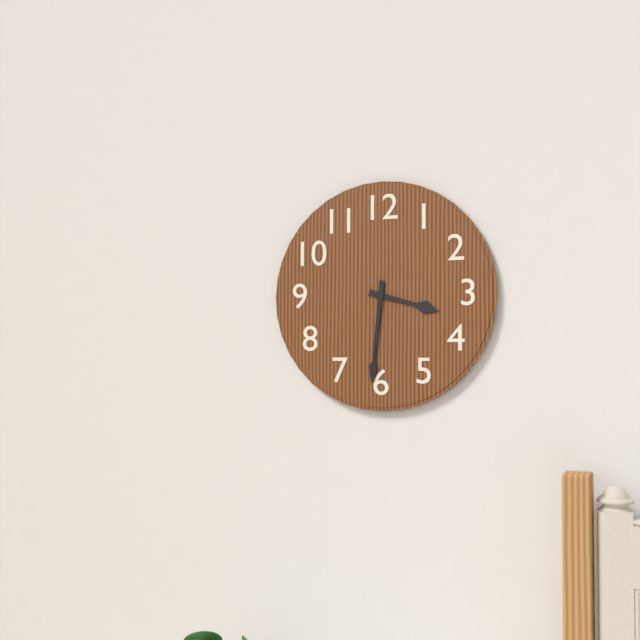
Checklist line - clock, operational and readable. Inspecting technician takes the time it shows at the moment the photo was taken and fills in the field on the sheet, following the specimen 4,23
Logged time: 3,31
